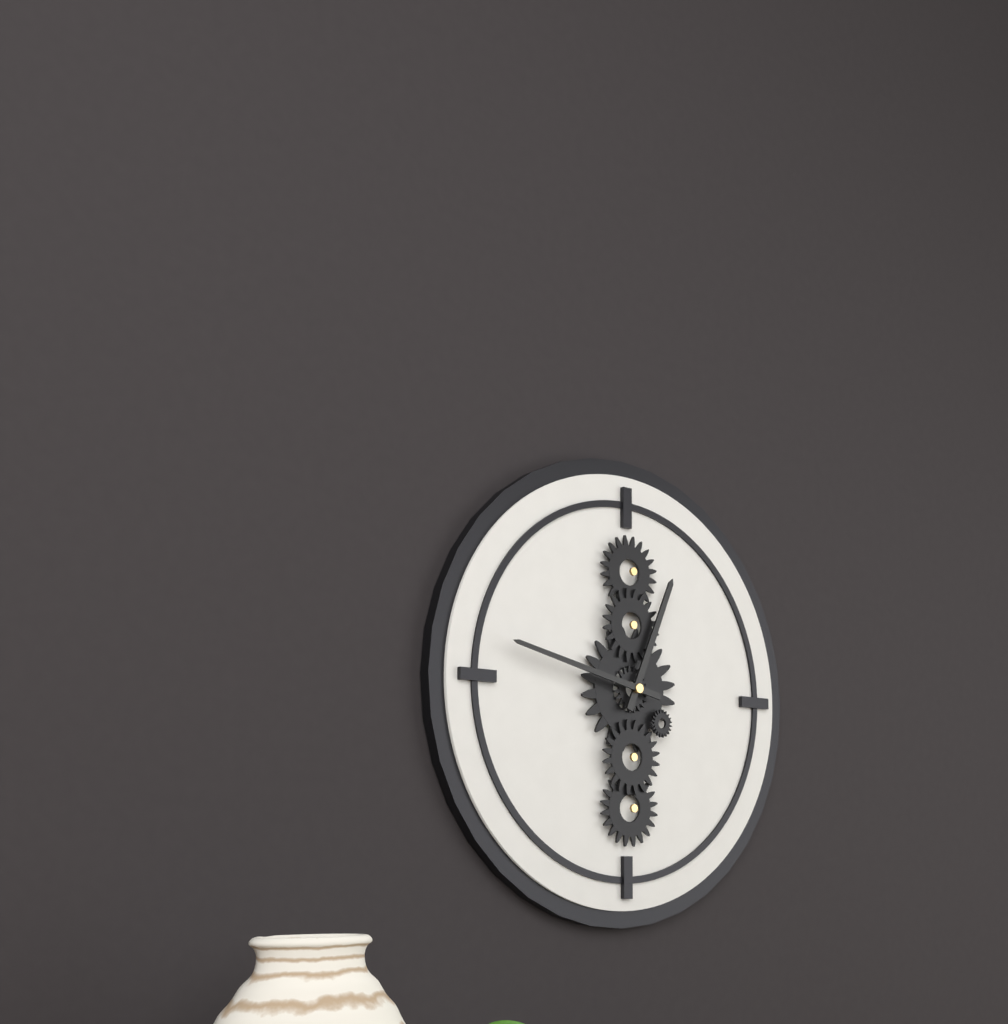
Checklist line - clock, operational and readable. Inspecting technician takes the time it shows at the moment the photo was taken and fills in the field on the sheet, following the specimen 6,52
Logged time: 12,47
